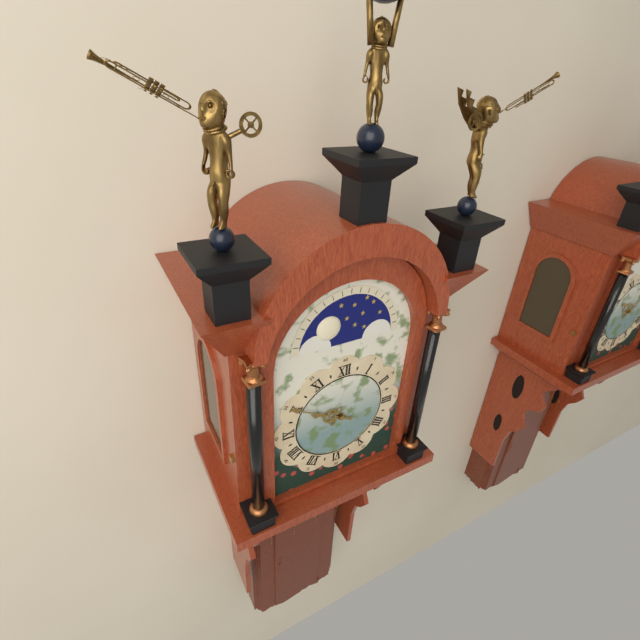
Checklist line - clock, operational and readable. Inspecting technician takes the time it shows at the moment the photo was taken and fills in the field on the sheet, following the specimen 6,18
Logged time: 9,50
